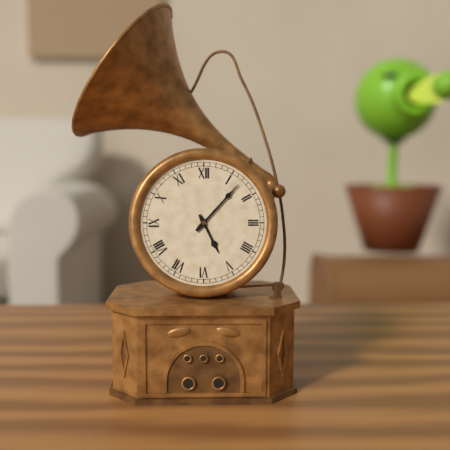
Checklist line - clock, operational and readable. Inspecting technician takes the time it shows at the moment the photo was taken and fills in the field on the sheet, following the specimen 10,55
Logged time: 5,07
